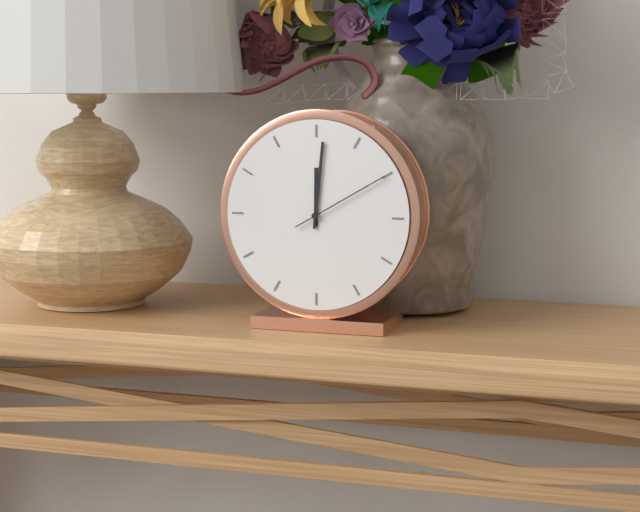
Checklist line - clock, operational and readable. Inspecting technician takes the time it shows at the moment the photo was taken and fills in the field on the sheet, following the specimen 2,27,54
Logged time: 12,01,10
